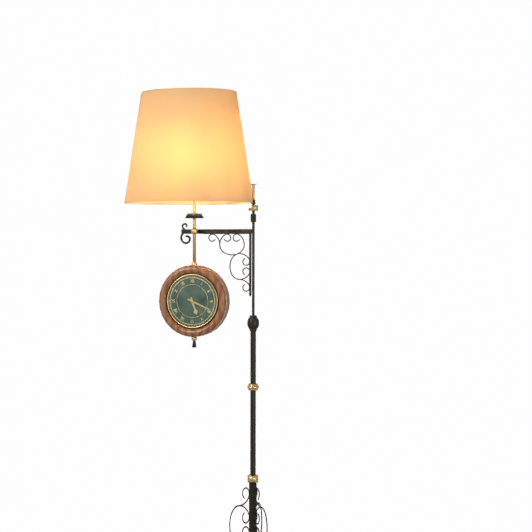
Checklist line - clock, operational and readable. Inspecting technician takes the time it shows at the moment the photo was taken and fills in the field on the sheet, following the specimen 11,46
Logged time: 5,19
